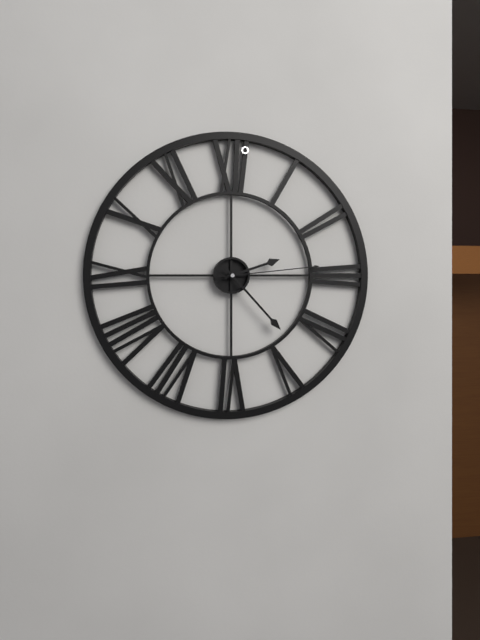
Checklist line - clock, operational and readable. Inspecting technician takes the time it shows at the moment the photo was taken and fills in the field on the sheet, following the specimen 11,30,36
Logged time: 2,23,14
